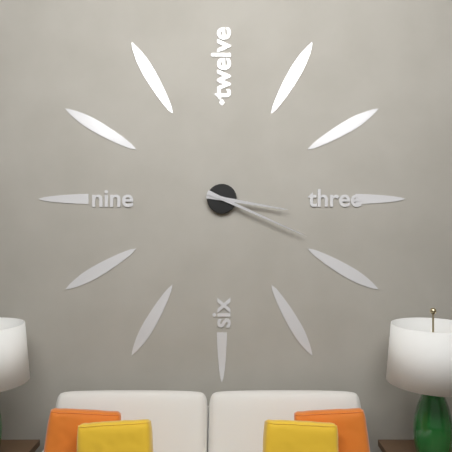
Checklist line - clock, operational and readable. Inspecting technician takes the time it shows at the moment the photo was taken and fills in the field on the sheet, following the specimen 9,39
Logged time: 3,19
